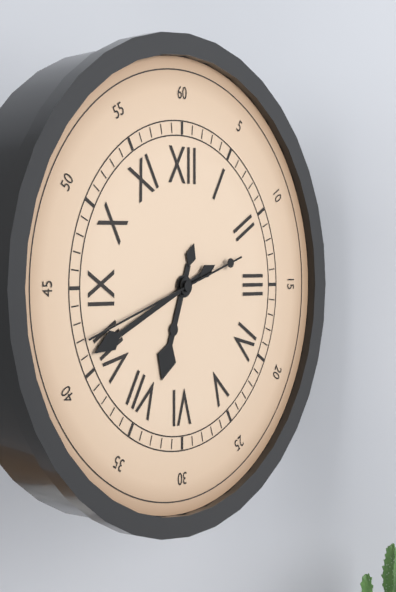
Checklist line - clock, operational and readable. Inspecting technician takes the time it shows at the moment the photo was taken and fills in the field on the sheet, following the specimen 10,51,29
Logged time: 6,41,42
